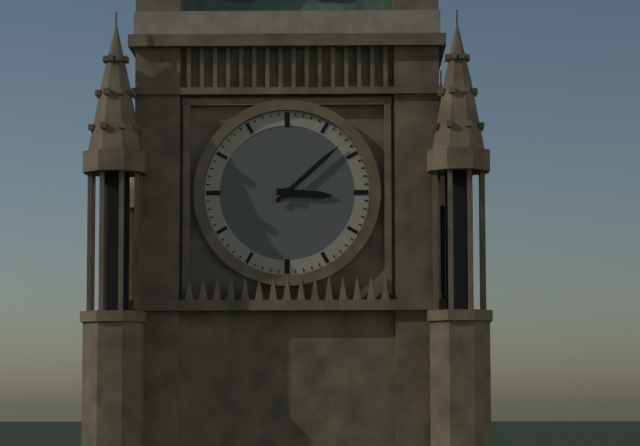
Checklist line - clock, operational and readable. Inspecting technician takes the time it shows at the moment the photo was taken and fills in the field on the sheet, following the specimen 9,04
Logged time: 3,08
